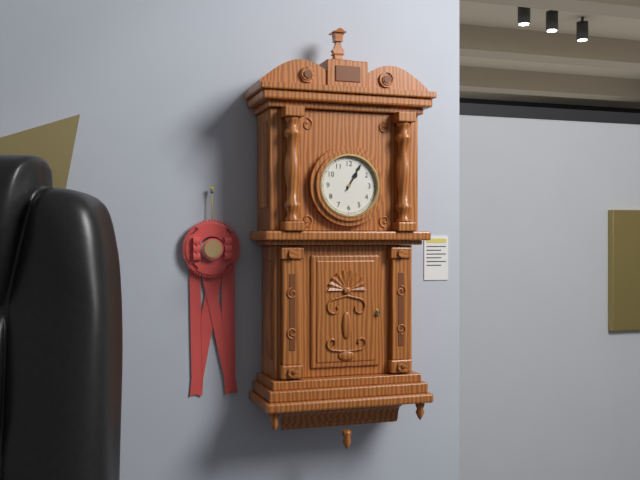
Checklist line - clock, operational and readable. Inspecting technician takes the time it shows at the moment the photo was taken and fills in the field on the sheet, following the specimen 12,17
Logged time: 1,05
